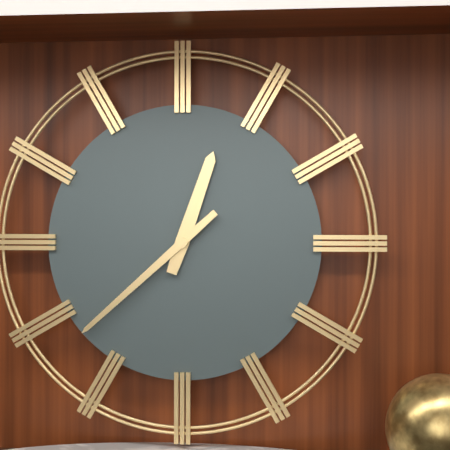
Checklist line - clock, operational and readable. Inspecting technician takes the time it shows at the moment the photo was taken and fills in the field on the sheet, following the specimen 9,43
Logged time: 12,38
